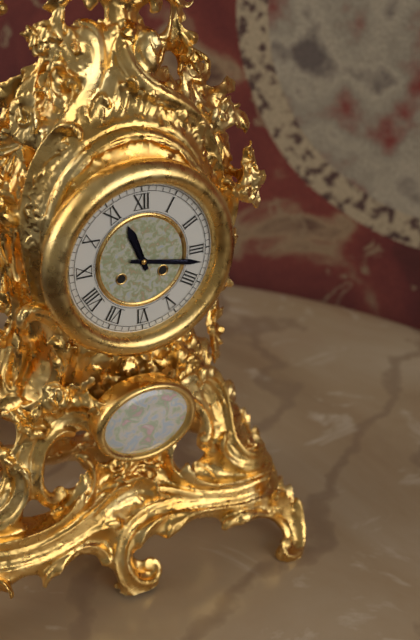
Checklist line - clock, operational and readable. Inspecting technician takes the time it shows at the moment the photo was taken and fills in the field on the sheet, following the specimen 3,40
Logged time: 11,17
